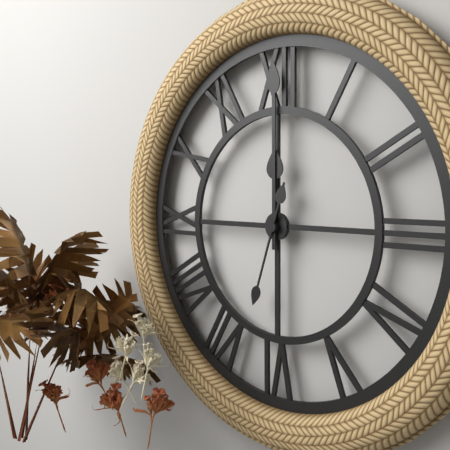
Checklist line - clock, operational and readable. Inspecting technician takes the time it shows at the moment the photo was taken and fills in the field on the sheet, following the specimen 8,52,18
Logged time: 12,00,33
